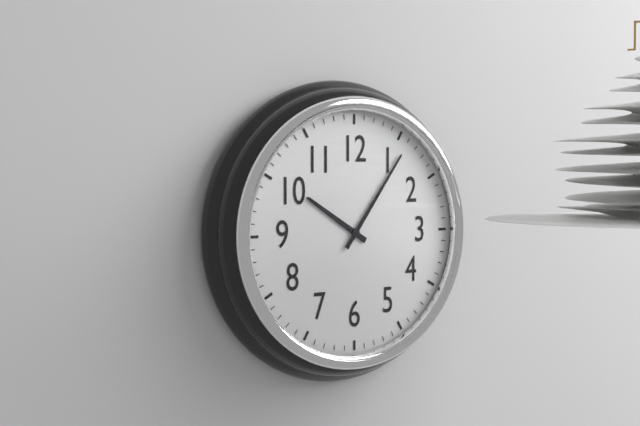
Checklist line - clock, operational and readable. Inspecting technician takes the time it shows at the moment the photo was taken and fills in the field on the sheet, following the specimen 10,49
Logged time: 10,06
